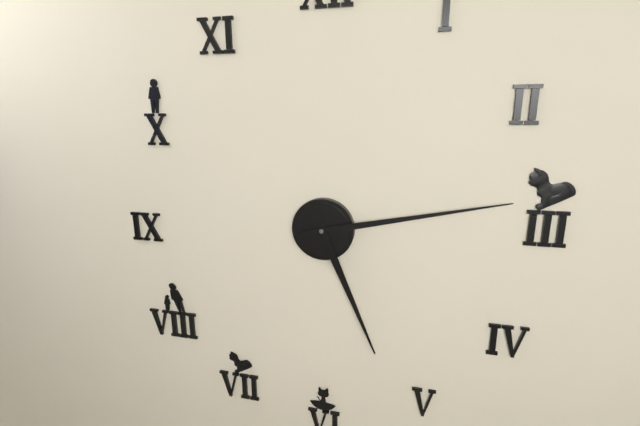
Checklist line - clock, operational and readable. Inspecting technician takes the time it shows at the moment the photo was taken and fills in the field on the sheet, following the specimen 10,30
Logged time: 5,13
